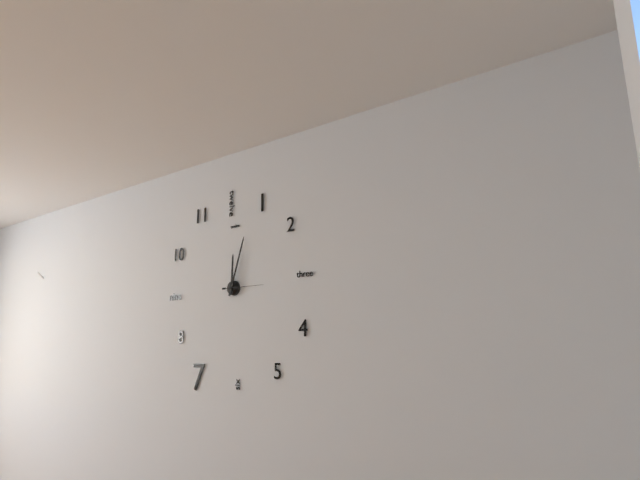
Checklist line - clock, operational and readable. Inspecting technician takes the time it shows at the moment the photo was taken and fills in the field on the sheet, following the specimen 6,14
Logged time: 12,03
